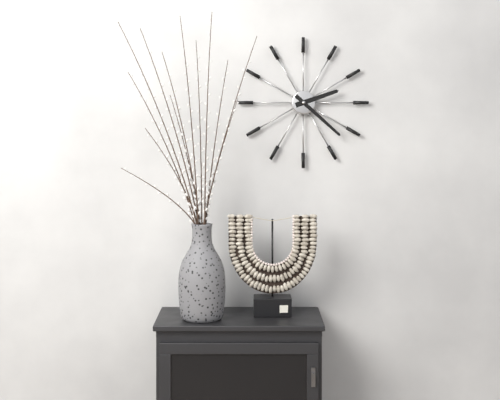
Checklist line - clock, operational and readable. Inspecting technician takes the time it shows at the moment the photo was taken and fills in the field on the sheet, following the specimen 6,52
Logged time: 2,22
